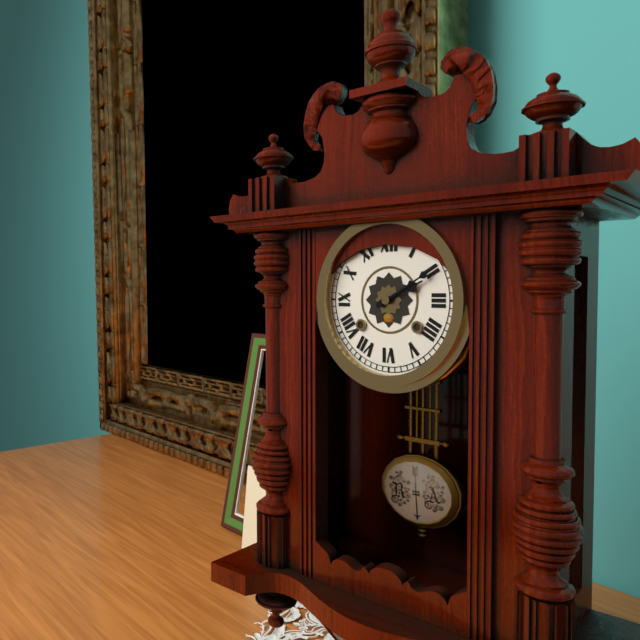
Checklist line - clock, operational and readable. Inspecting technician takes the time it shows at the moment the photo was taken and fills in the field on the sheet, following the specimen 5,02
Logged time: 2,10
